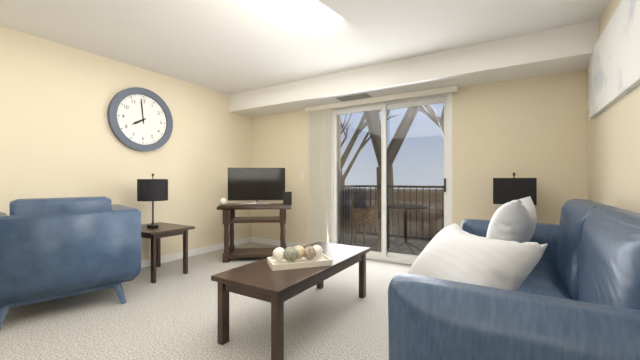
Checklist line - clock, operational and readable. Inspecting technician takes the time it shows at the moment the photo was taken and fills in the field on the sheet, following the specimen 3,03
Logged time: 7,59
